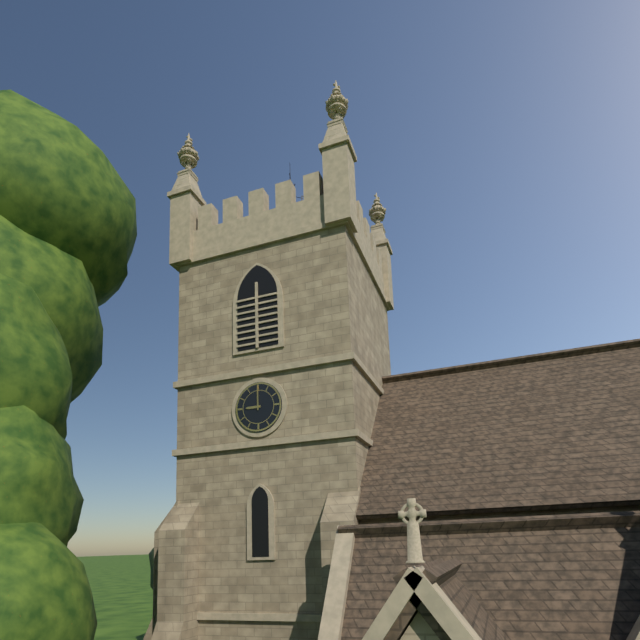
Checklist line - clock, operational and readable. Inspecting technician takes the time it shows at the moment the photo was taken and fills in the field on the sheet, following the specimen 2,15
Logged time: 9,00
